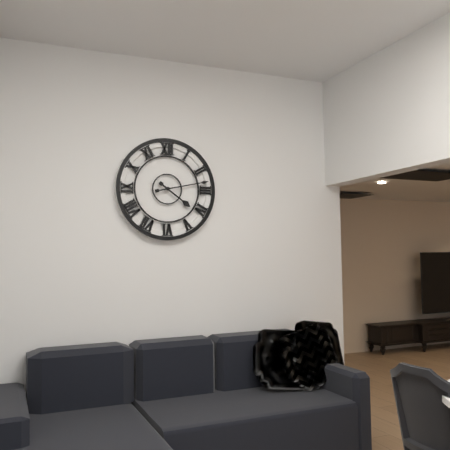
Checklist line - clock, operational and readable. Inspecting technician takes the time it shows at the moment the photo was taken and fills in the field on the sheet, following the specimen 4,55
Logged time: 4,13
